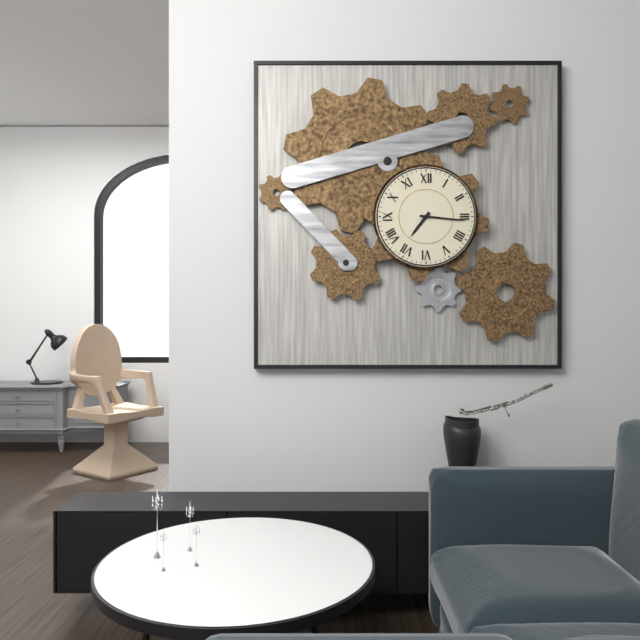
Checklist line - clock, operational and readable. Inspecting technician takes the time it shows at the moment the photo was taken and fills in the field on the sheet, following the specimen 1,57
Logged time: 7,16
